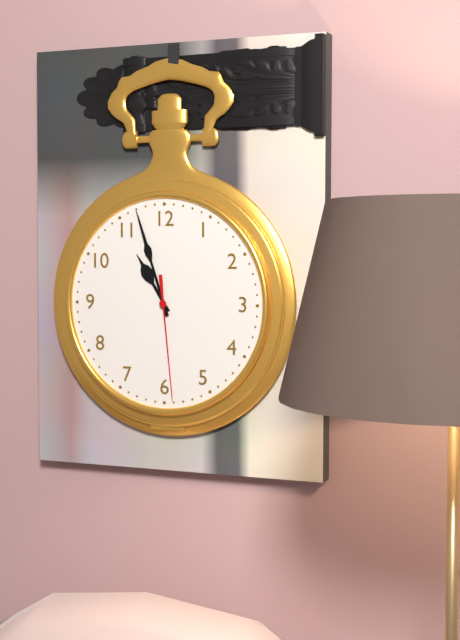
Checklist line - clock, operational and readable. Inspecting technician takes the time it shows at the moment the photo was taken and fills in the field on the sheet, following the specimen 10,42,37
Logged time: 10,57,29
